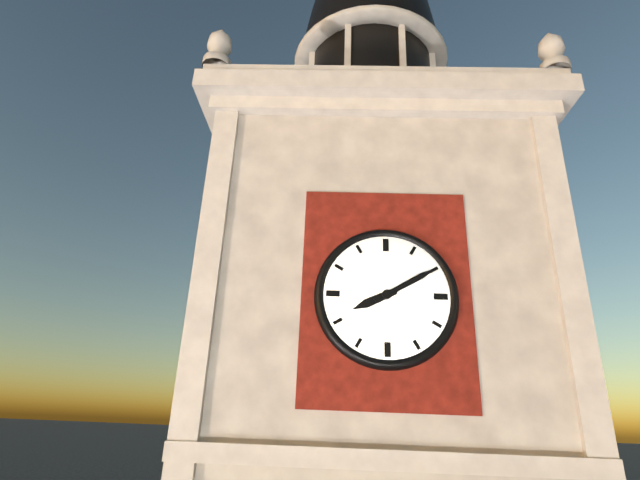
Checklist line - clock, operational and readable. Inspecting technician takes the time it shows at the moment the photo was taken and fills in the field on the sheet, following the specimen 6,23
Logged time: 8,10
